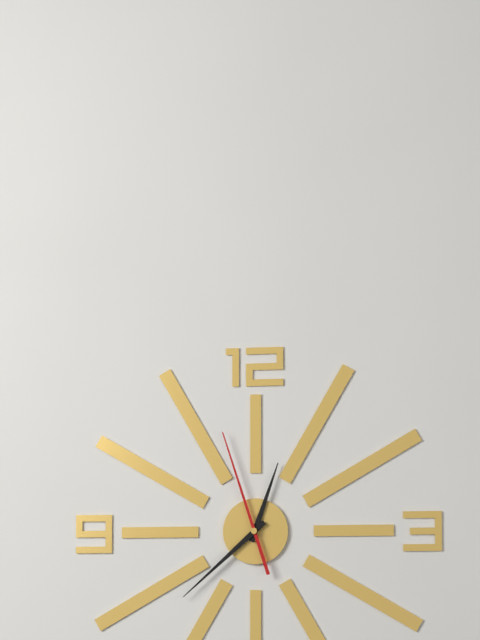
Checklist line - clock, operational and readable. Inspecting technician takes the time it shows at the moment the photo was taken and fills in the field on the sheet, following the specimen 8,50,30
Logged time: 12,38,57
